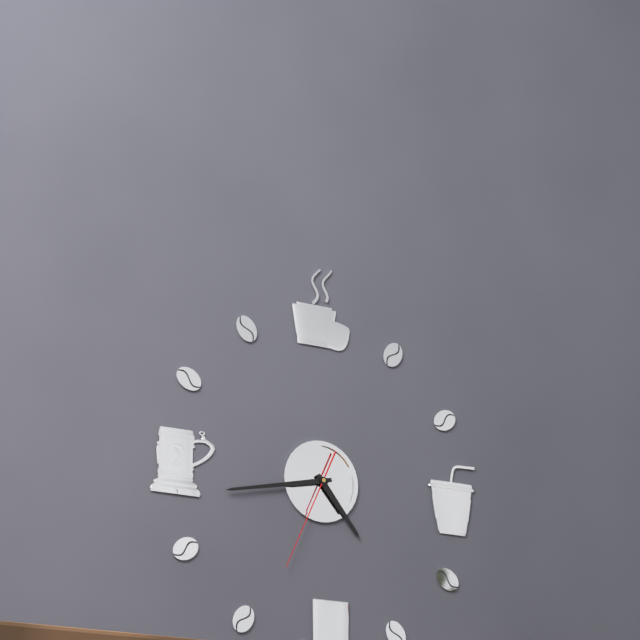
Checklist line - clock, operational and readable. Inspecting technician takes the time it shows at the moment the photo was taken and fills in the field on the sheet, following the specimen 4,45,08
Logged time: 4,43,34
